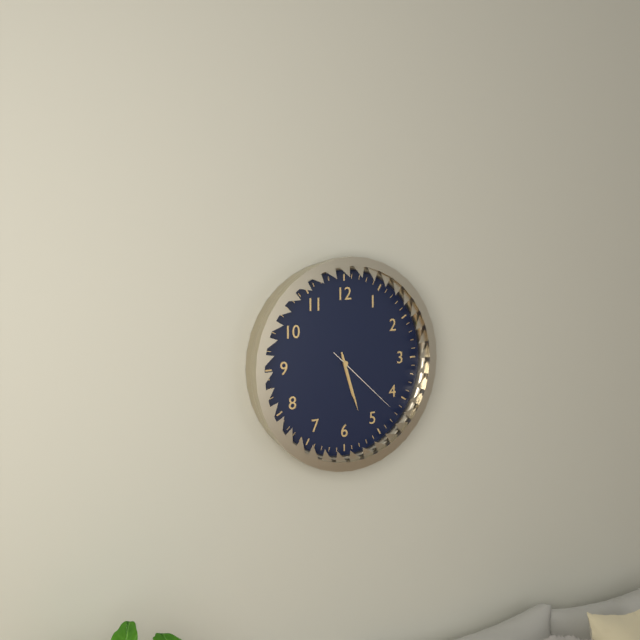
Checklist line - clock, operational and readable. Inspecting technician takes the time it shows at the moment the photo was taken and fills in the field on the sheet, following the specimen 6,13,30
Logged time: 5,27,22
